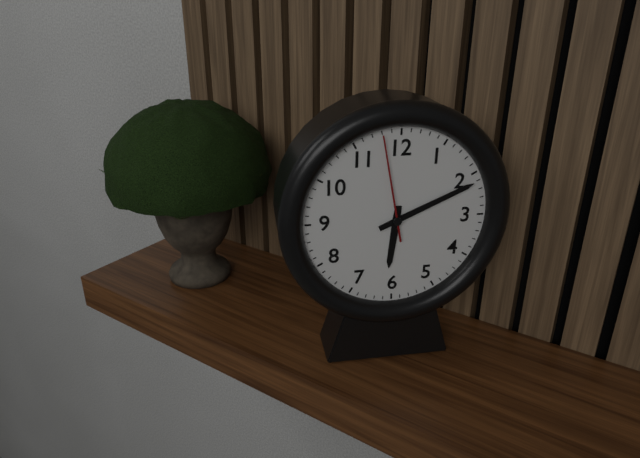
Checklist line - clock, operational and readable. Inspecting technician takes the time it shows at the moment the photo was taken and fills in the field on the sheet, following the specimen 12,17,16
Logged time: 6,11,58
